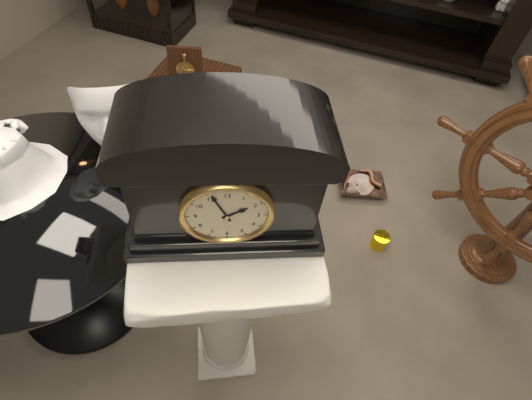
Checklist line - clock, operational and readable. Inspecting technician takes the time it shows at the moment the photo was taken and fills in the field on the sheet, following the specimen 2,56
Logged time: 1,56
